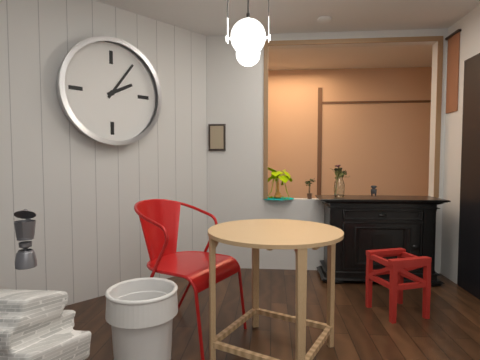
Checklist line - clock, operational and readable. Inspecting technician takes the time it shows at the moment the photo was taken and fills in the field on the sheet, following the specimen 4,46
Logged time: 2,06
